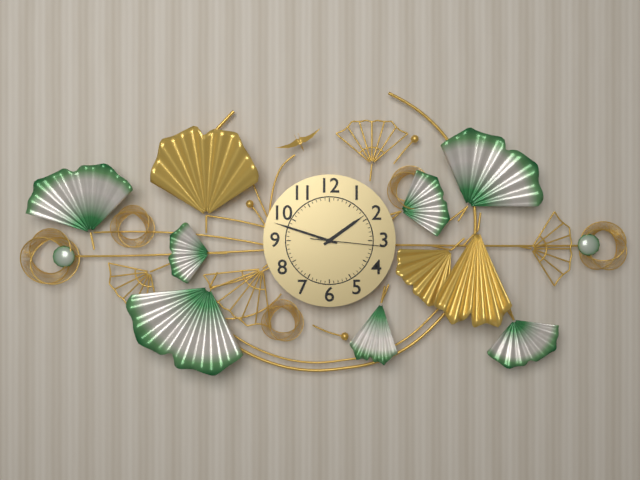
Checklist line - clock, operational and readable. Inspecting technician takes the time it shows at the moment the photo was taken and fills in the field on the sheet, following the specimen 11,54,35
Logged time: 1,48,16
